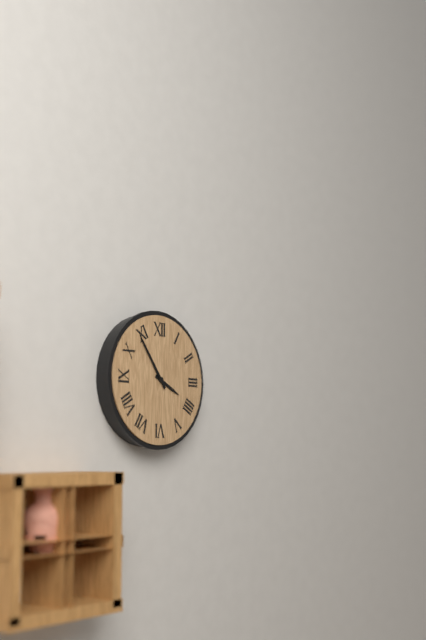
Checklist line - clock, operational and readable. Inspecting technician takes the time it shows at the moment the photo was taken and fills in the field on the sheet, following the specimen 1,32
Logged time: 3,54
